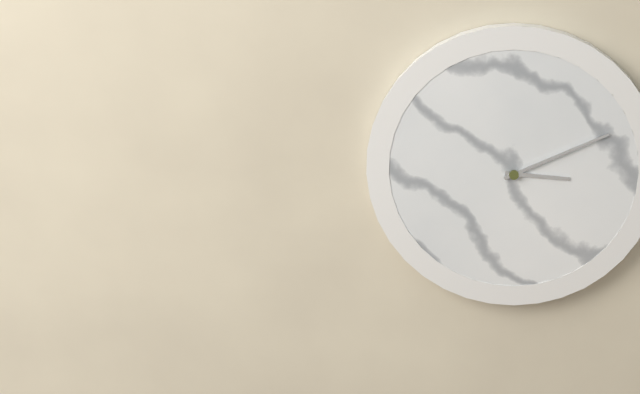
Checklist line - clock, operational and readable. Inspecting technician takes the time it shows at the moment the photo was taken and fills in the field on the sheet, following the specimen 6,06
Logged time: 3,11
